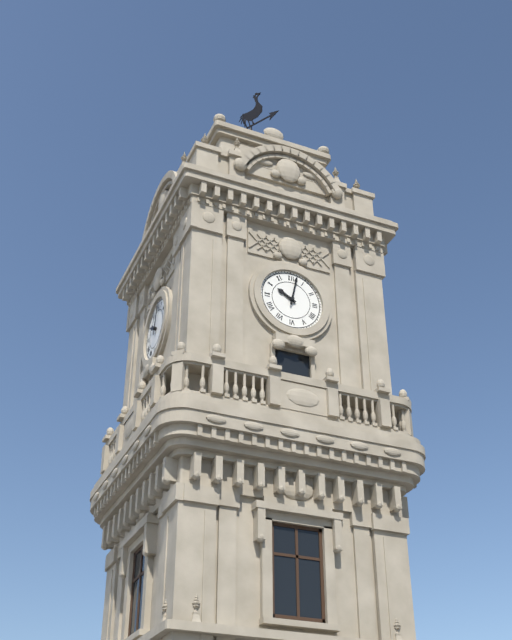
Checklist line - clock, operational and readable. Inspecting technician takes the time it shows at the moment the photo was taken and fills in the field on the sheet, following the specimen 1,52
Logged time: 10,02
